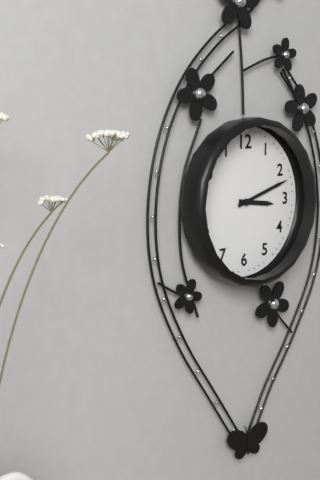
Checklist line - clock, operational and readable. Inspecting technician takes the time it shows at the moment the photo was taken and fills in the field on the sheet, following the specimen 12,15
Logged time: 3,12
